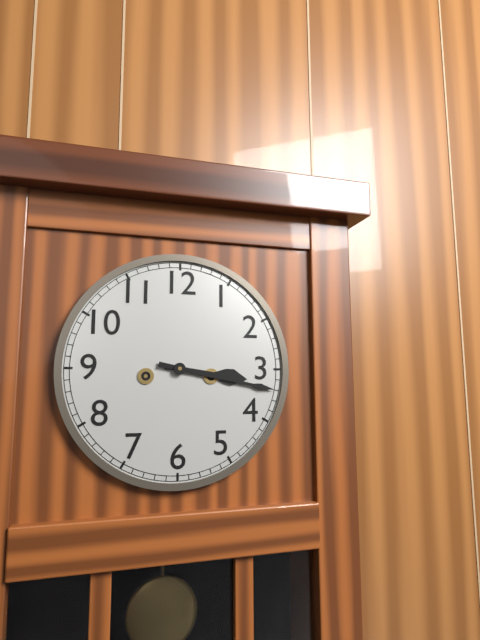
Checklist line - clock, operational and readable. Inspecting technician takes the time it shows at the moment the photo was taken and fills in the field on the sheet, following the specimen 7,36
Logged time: 3,17
